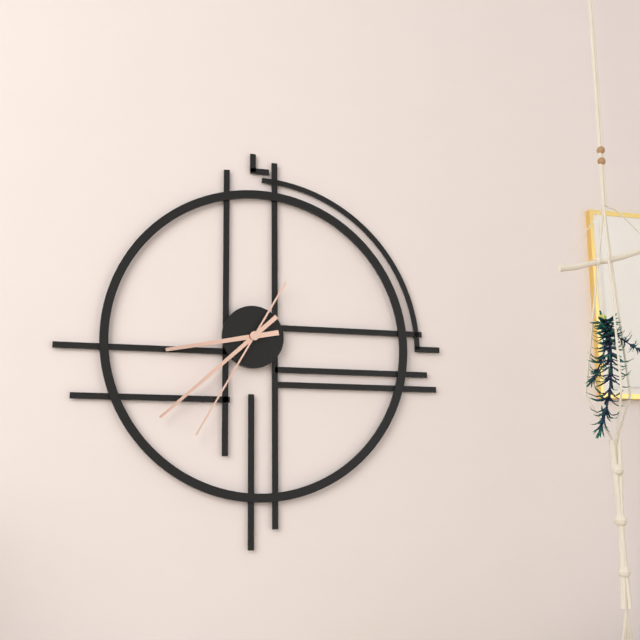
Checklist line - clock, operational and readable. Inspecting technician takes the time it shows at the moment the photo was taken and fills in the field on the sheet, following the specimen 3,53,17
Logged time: 8,38,35
